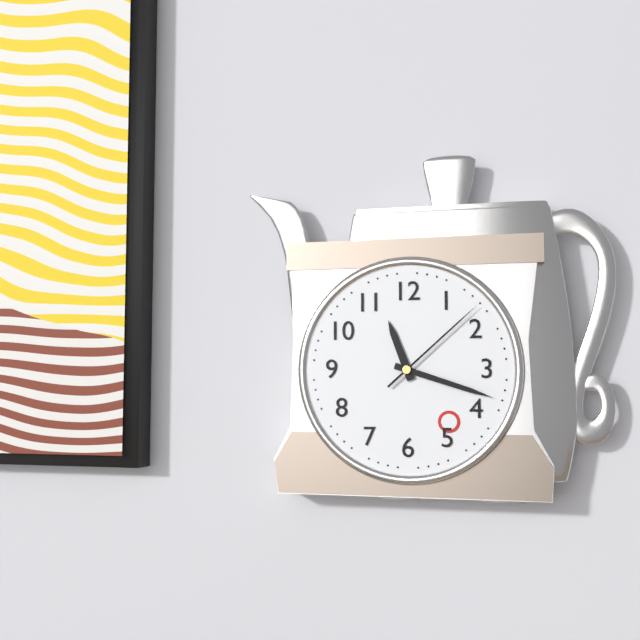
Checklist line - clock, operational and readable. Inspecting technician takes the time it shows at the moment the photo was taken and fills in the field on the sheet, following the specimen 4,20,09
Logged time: 11,18,08
